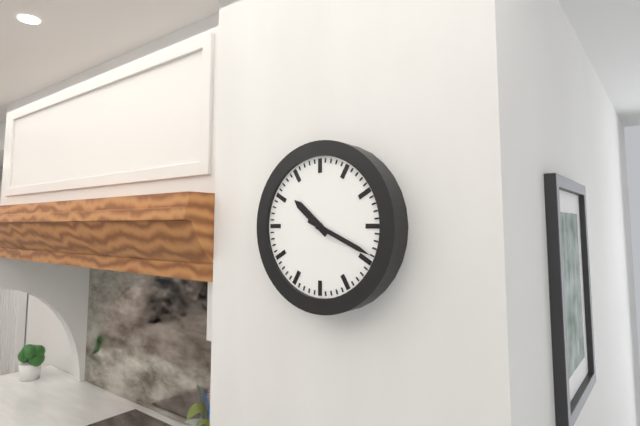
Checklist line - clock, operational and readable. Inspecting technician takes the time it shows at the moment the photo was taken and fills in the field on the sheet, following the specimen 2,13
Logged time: 10,19
